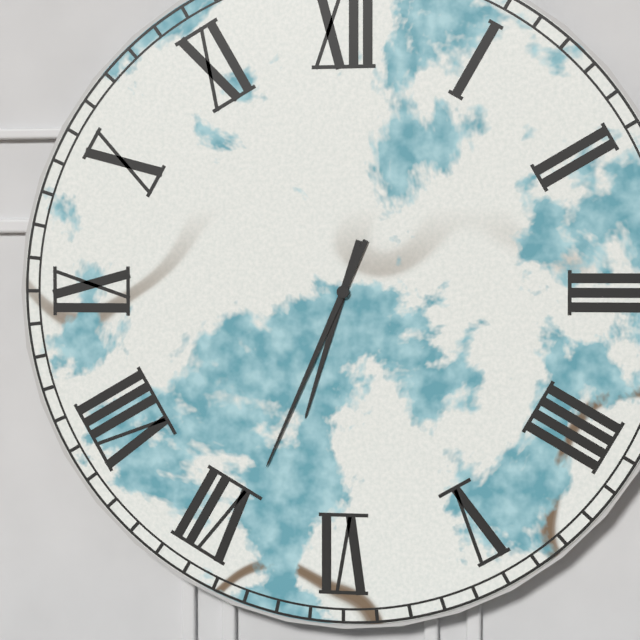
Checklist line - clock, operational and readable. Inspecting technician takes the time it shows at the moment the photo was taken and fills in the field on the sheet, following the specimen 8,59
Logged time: 6,34
